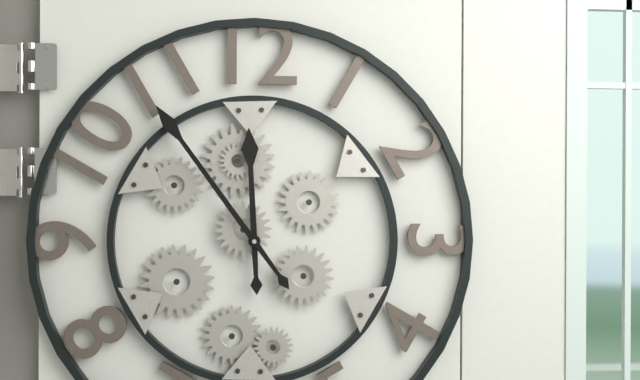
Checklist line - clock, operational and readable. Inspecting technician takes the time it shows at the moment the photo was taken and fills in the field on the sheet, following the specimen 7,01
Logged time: 11,54
